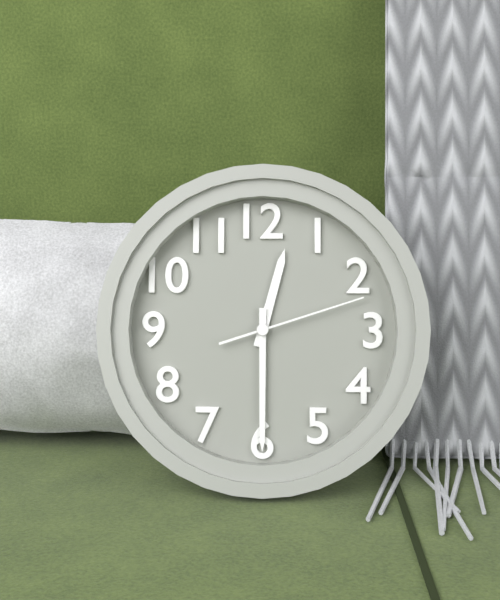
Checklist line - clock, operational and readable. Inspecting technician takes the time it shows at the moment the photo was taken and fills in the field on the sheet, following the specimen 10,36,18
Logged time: 12,30,12
